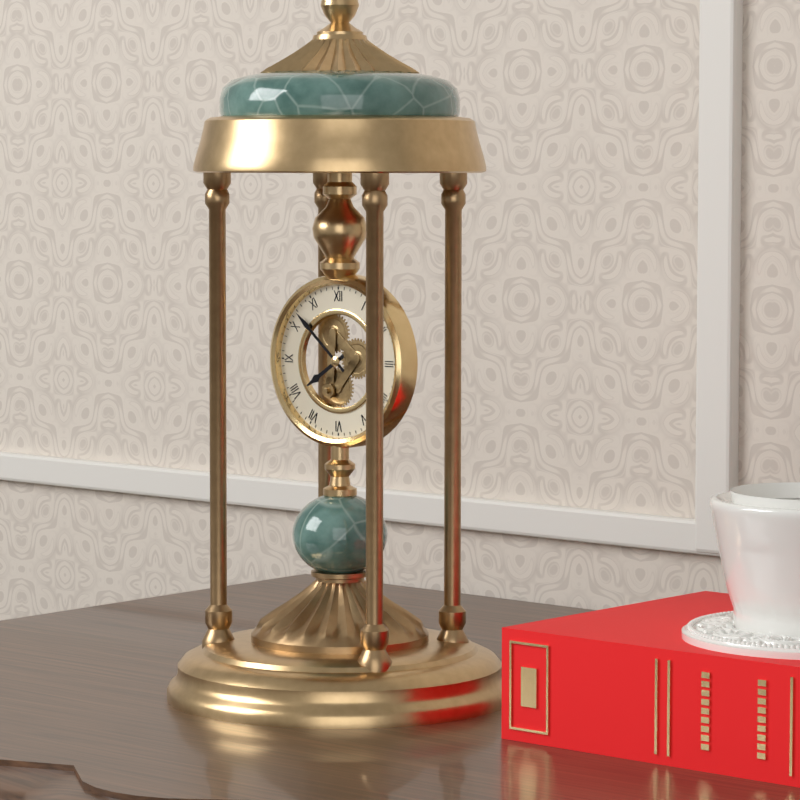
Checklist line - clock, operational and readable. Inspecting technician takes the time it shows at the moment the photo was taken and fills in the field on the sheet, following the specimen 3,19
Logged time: 7,52
